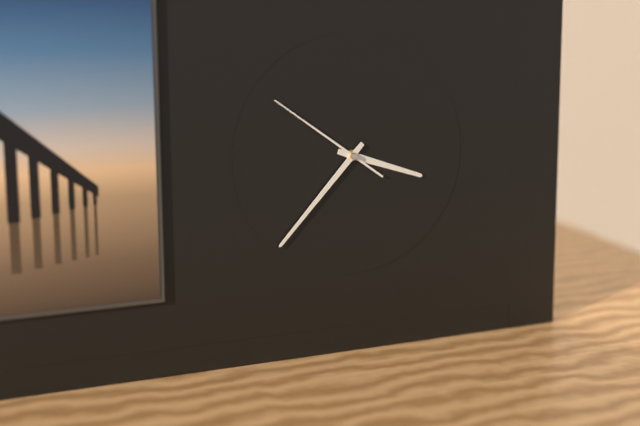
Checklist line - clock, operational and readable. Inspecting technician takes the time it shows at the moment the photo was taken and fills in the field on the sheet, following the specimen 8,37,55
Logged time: 3,37,51
